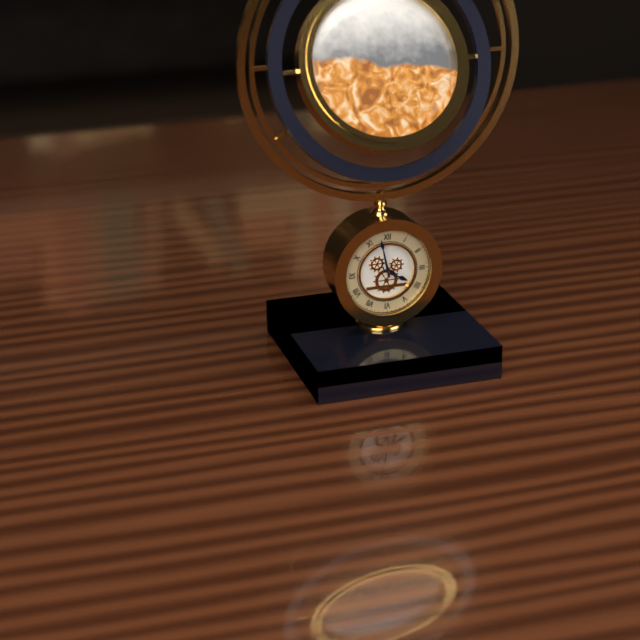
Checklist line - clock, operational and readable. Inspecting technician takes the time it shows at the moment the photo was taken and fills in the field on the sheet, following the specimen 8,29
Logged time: 3,58
